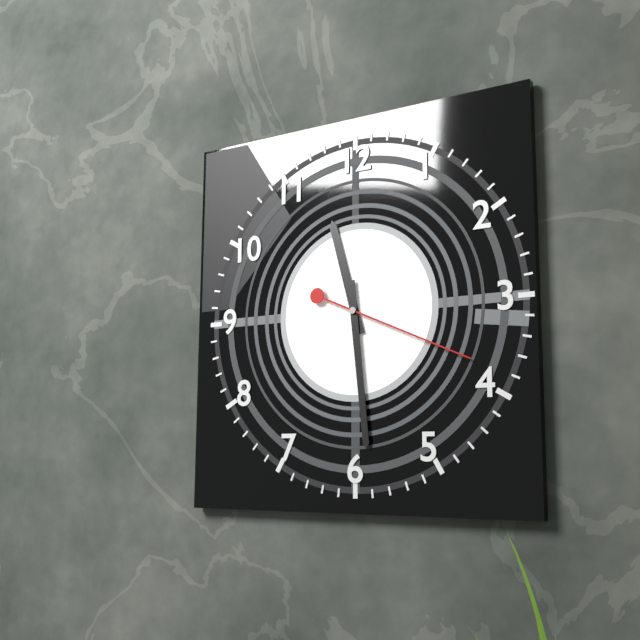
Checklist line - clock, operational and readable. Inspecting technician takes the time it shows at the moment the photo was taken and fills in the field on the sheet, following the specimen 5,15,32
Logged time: 11,29,19
